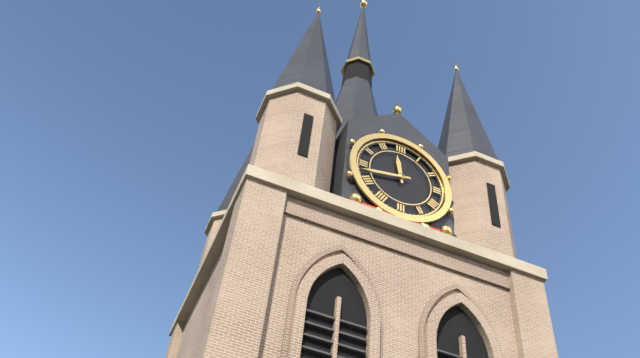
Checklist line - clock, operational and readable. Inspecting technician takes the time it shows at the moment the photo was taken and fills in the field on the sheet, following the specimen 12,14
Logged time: 11,43
